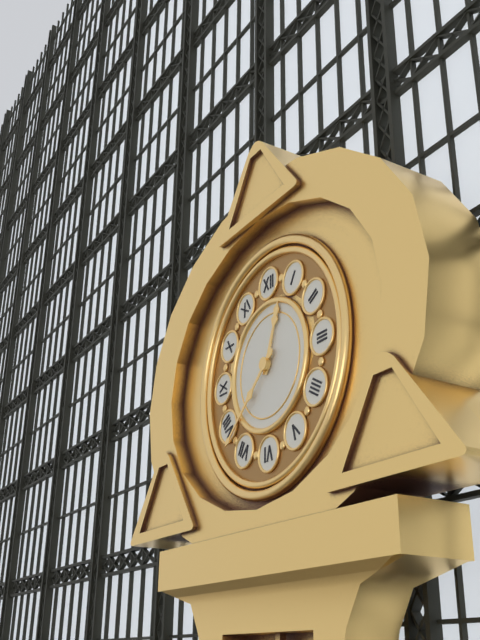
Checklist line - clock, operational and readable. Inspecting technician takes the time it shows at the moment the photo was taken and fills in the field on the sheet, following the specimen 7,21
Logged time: 12,38
